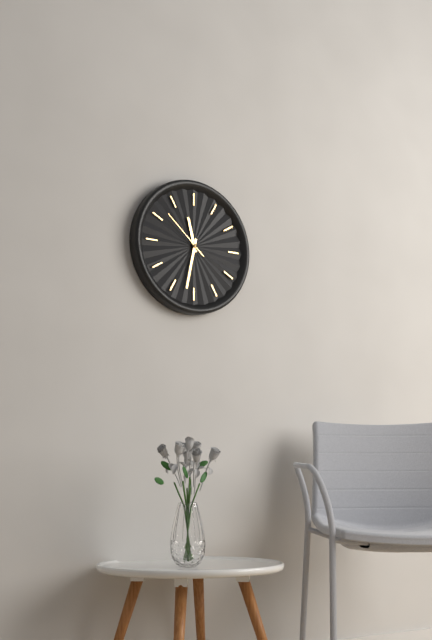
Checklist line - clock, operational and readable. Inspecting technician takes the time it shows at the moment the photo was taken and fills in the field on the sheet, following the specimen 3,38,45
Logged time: 11,32,52
